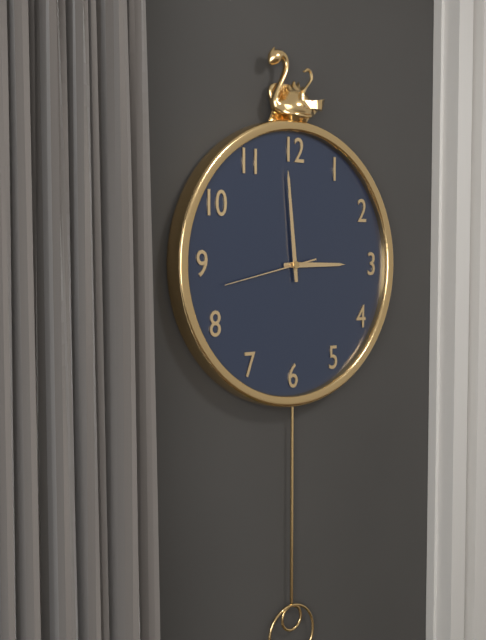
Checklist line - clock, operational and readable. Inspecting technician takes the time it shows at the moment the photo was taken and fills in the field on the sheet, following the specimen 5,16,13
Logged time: 2,59,43
